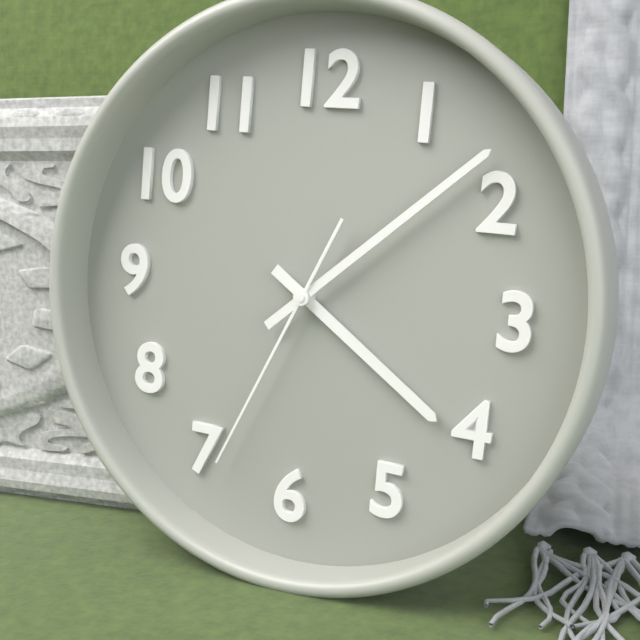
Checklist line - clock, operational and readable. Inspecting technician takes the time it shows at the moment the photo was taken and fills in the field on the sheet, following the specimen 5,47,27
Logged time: 4,08,34
